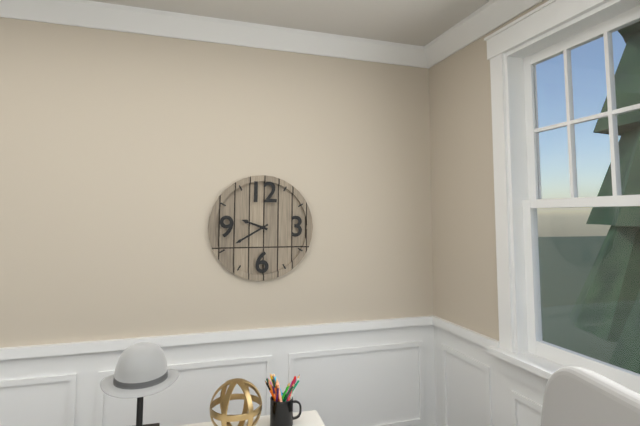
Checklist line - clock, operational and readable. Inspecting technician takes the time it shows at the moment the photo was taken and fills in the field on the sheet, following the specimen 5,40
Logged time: 9,40
